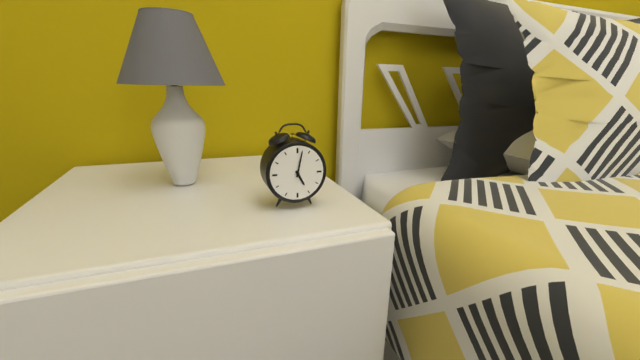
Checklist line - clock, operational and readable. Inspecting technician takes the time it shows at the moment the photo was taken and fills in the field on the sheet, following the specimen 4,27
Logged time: 5,02
